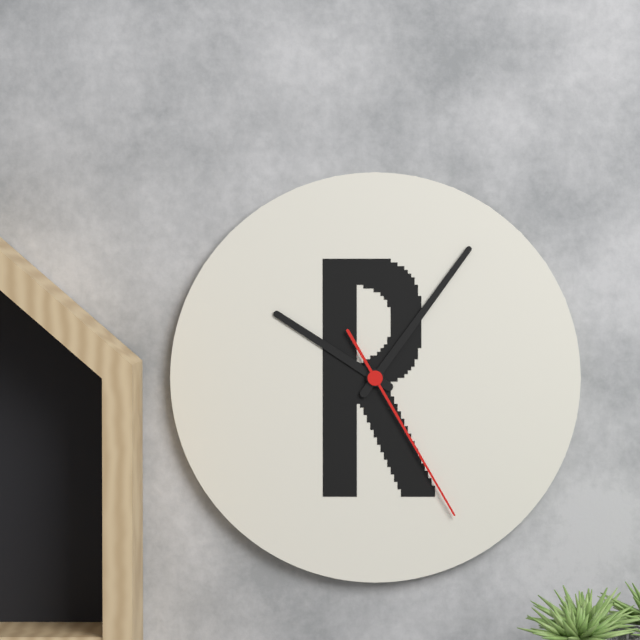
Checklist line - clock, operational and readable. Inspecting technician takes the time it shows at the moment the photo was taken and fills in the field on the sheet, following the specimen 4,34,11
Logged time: 10,06,25
